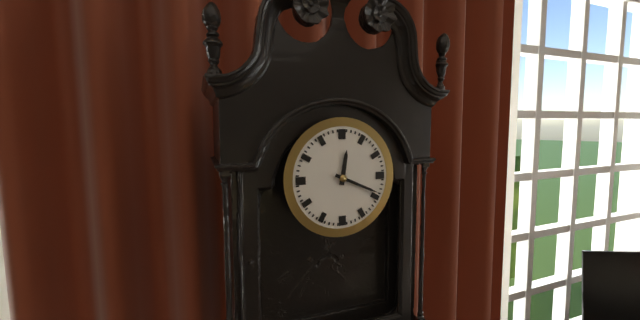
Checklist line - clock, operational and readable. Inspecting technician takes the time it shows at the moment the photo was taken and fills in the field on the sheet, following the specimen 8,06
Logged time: 12,19
